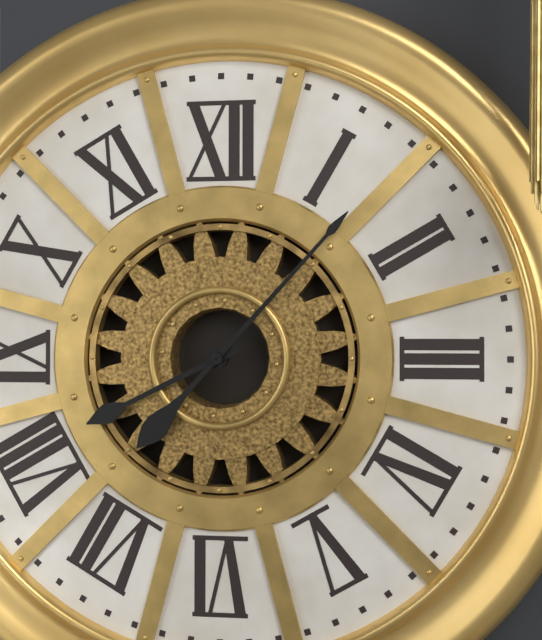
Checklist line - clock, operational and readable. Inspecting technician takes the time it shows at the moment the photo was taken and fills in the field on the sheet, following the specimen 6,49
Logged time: 8,07
